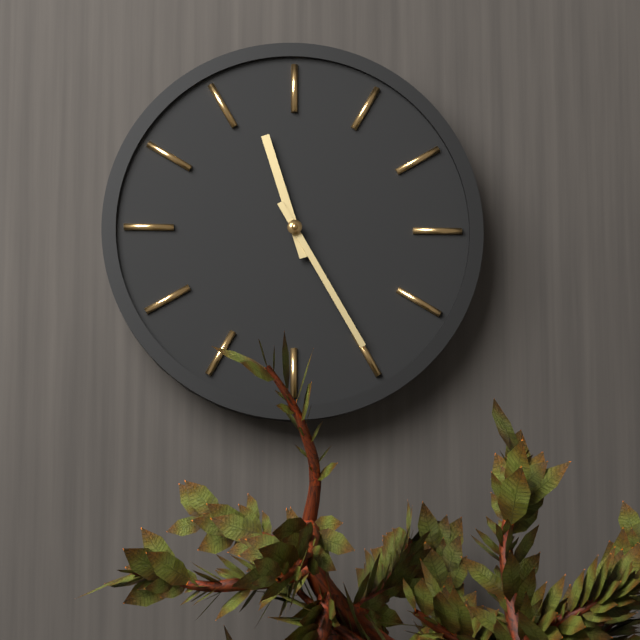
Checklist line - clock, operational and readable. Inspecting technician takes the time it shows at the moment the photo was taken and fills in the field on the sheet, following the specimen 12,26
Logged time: 11,25
